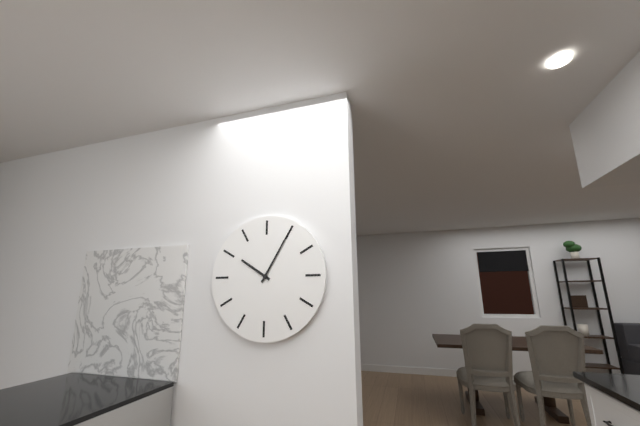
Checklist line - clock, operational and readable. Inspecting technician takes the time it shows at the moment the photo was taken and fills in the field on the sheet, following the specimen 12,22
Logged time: 10,05
